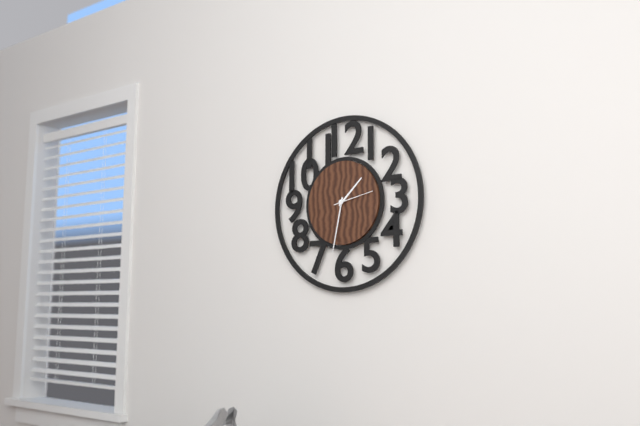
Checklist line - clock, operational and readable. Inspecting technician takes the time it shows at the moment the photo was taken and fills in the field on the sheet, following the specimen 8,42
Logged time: 1,32
